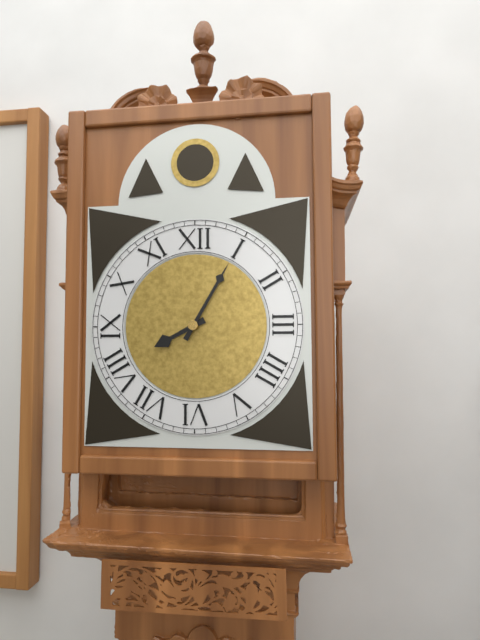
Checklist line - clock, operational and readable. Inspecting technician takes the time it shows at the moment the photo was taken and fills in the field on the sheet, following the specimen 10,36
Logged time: 8,05
